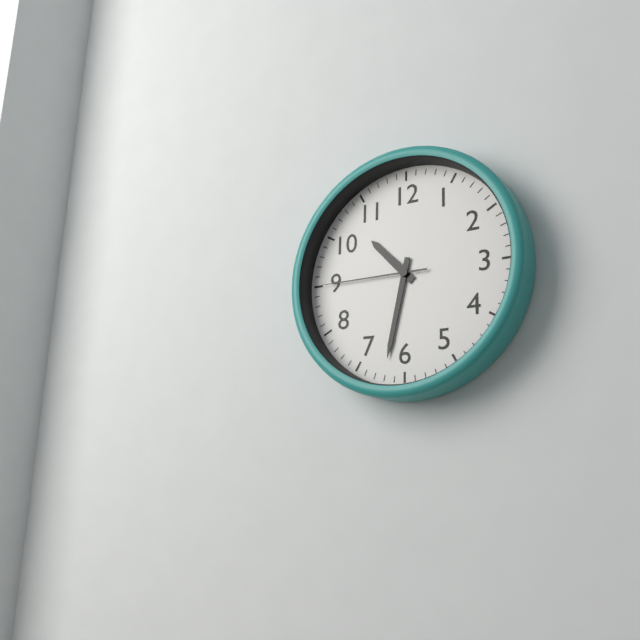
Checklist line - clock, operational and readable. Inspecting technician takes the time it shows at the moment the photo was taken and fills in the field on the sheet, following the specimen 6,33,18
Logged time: 10,32,45
